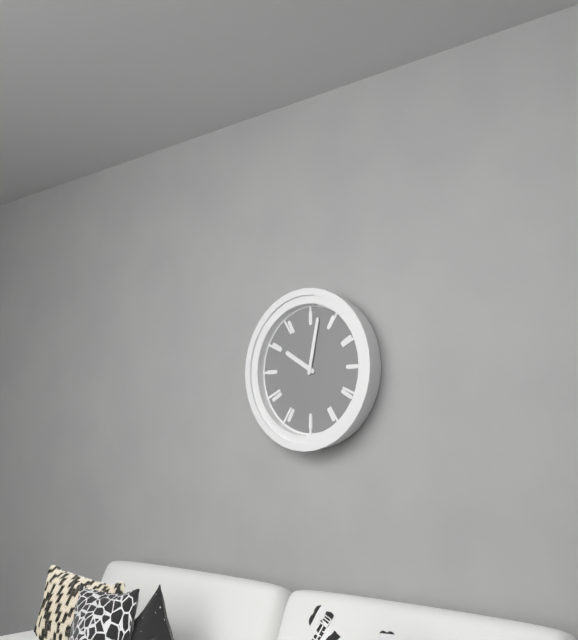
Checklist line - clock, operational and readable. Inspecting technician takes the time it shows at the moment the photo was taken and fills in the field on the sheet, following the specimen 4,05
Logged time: 10,02
